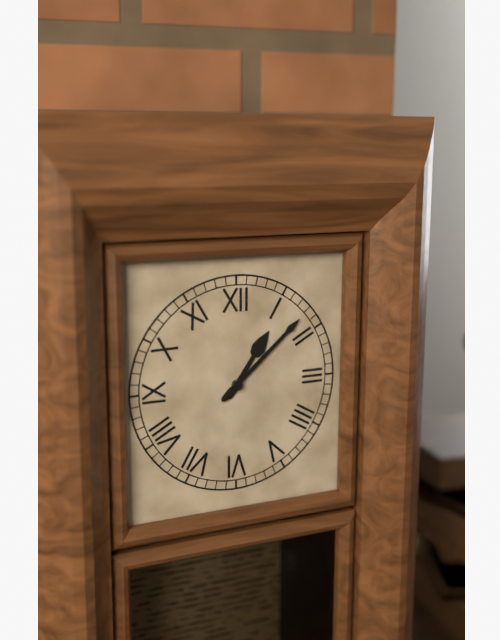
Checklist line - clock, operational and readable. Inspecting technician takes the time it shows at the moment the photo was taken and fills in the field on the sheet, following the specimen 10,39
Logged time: 1,08
